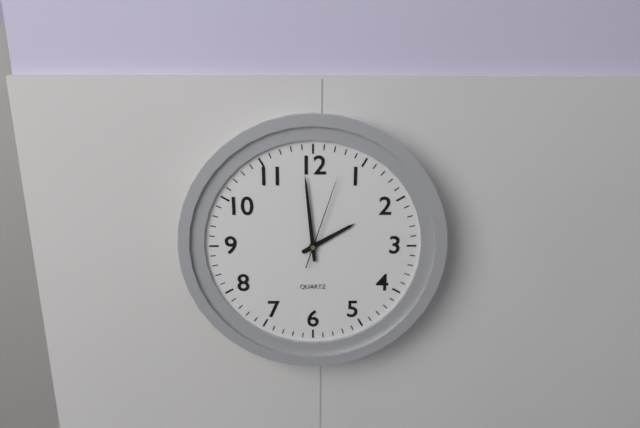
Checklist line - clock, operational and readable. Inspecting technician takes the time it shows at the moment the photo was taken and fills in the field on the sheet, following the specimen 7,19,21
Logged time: 1,59,03
